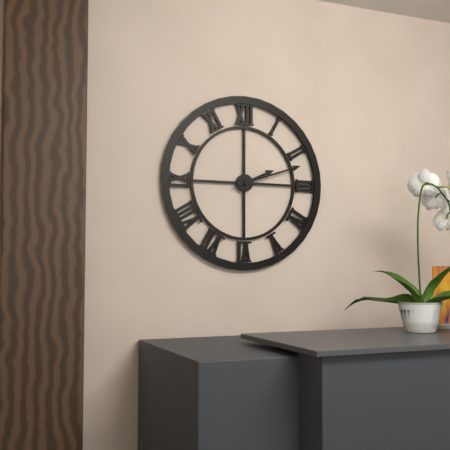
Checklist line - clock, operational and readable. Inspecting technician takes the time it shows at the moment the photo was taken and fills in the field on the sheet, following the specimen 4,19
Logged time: 2,12
